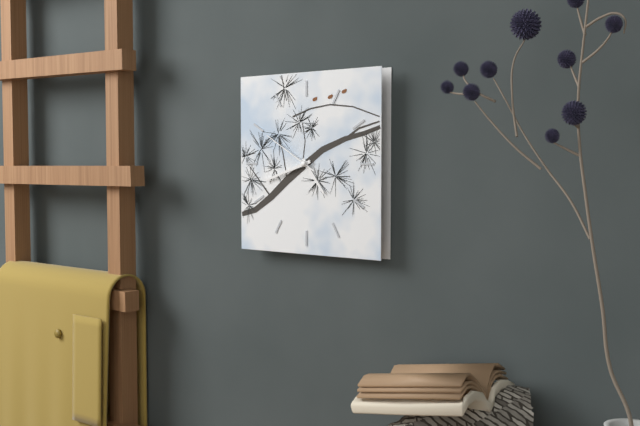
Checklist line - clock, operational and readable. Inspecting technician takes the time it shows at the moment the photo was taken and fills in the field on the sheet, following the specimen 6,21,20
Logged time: 4,42,50
